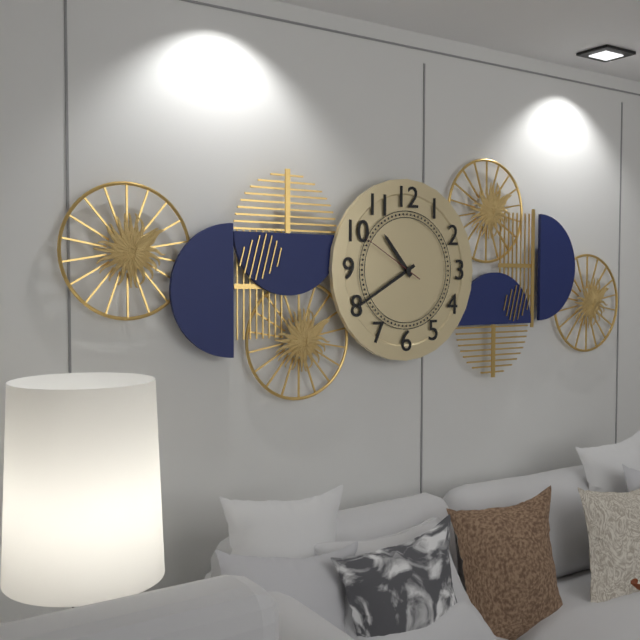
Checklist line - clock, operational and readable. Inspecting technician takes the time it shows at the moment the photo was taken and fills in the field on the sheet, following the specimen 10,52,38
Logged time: 10,40,50
